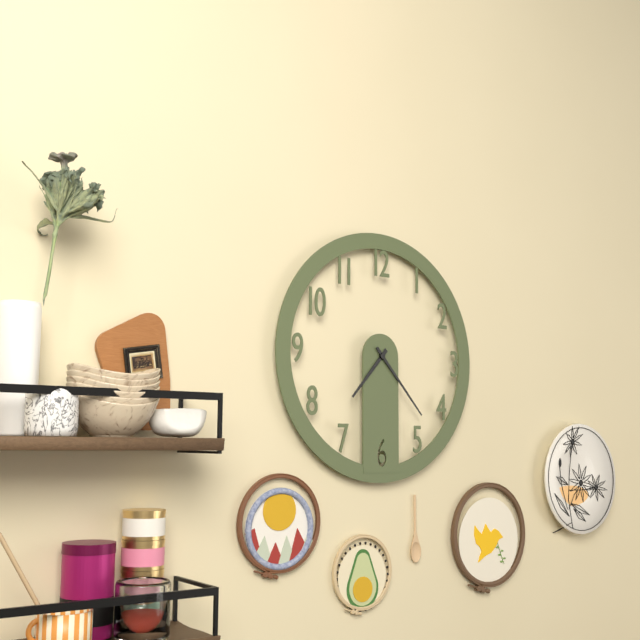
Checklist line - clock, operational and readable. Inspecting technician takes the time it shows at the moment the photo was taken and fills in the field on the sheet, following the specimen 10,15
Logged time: 7,23
